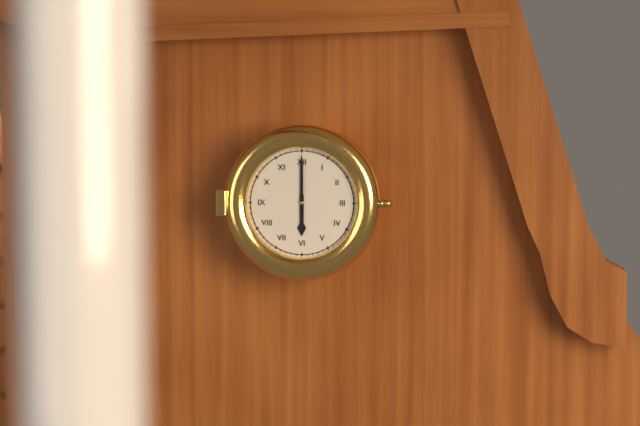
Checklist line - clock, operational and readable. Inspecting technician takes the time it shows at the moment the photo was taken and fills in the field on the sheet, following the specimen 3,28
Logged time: 6,00
